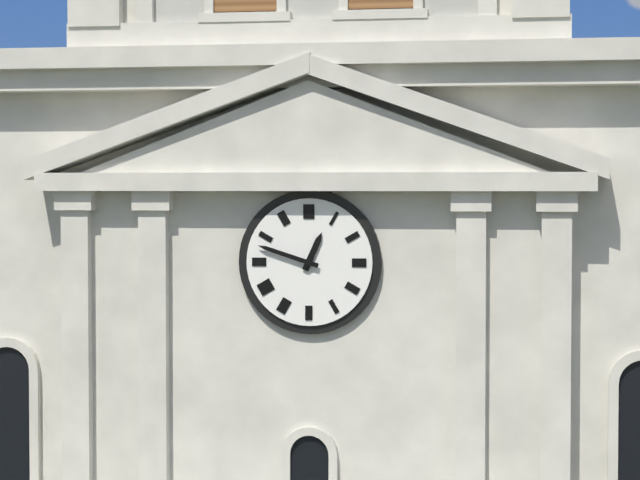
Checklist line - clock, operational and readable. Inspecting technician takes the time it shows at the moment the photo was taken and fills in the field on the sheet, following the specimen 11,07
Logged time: 12,48
